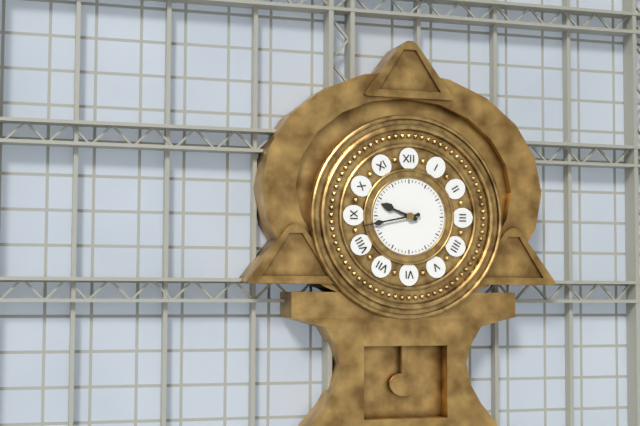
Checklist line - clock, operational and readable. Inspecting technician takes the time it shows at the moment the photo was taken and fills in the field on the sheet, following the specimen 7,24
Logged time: 9,43
